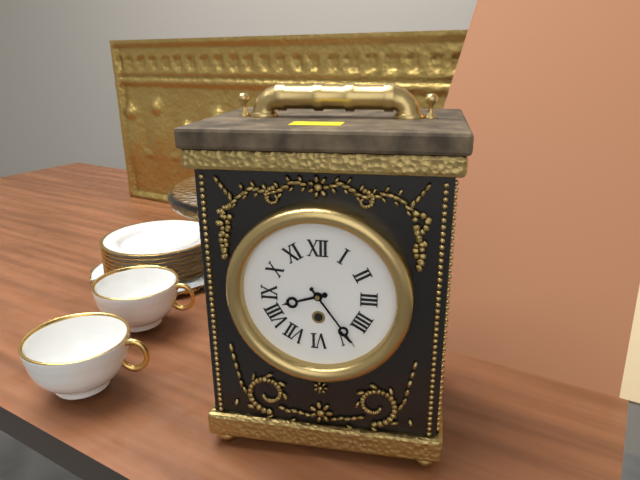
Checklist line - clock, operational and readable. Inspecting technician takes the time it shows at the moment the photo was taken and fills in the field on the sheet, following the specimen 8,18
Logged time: 8,24
